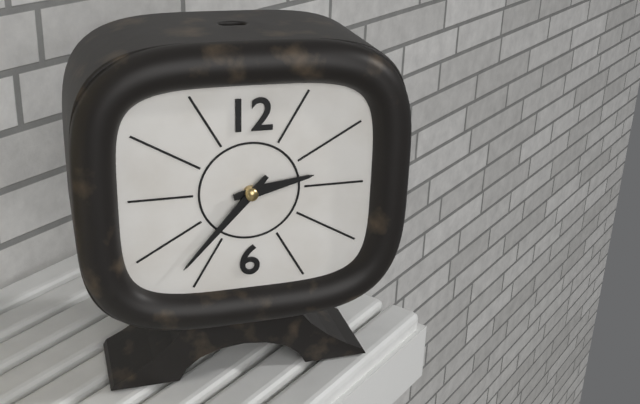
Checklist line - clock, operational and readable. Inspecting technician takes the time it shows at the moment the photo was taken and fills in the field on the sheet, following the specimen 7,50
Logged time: 2,37
